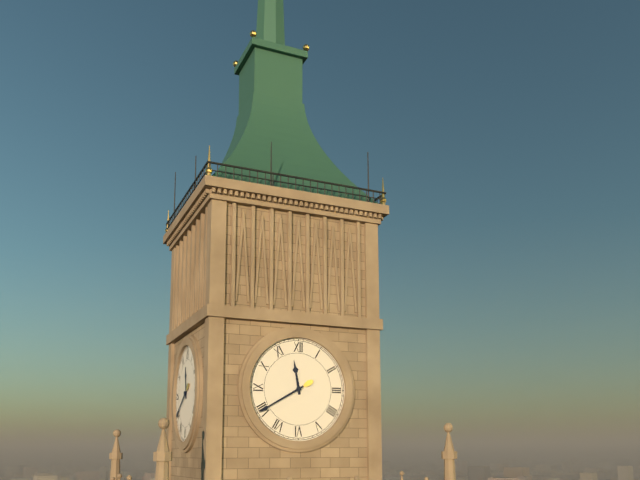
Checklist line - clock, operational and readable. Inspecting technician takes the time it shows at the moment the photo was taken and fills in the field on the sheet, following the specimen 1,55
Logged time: 11,40
